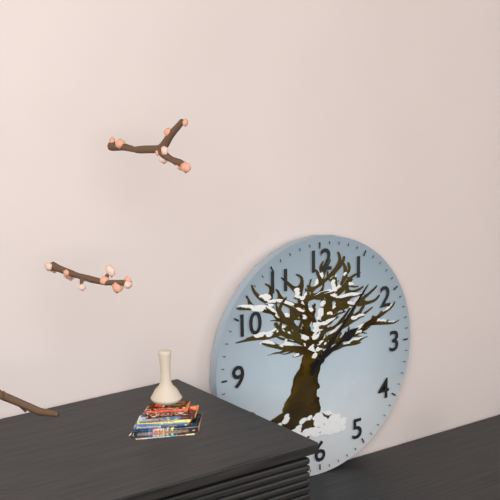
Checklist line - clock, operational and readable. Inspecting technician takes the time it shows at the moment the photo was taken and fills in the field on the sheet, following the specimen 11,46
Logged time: 2,07
